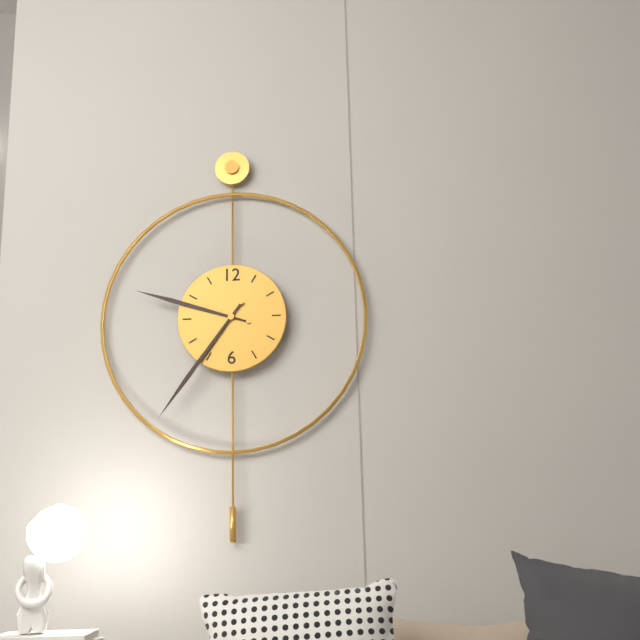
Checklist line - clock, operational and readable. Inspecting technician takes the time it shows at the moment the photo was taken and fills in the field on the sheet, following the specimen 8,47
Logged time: 9,36
